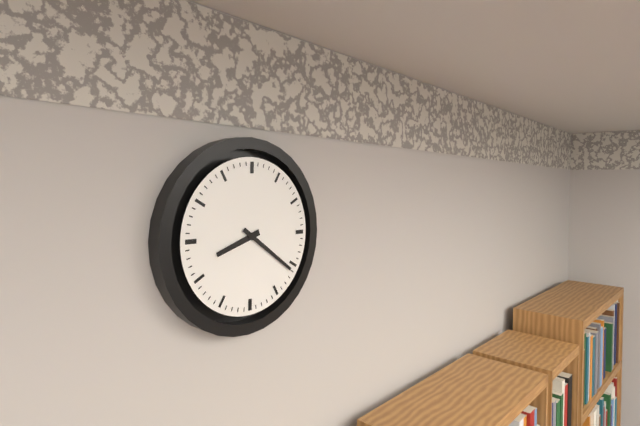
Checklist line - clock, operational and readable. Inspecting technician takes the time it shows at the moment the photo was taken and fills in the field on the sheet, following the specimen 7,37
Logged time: 8,21
